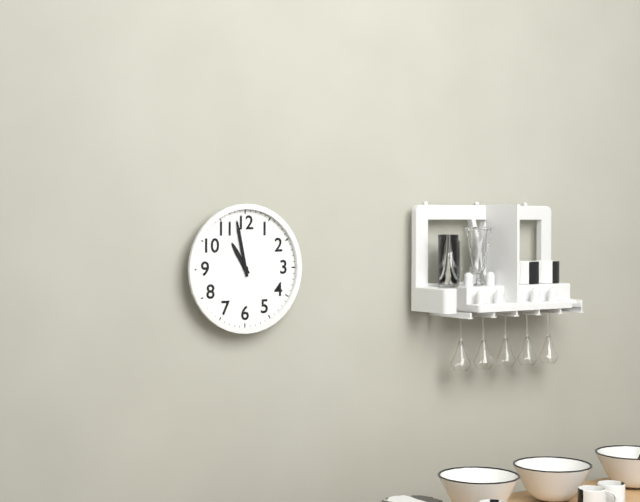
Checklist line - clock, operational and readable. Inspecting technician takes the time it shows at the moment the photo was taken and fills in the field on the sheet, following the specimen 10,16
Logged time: 10,58
